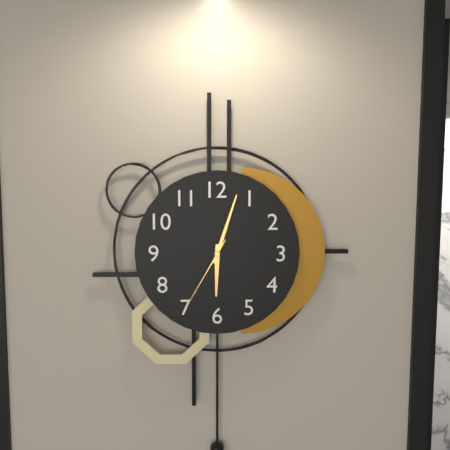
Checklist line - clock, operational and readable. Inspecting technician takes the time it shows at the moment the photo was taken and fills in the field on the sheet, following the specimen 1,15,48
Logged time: 6,03,35
